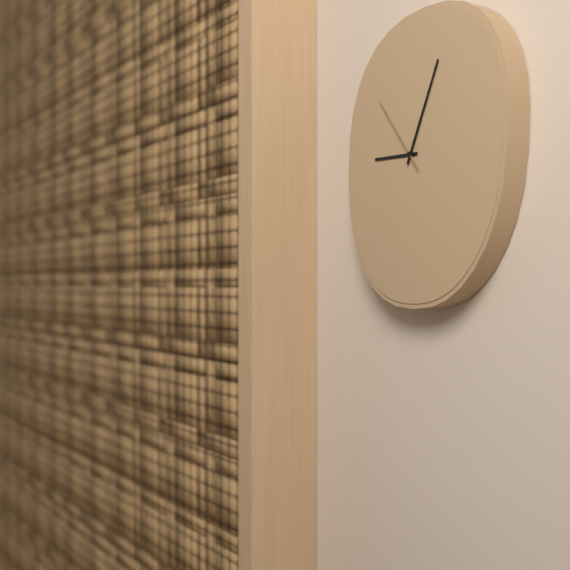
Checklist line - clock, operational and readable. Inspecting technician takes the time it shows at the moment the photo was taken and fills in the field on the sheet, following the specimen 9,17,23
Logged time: 9,04,54
